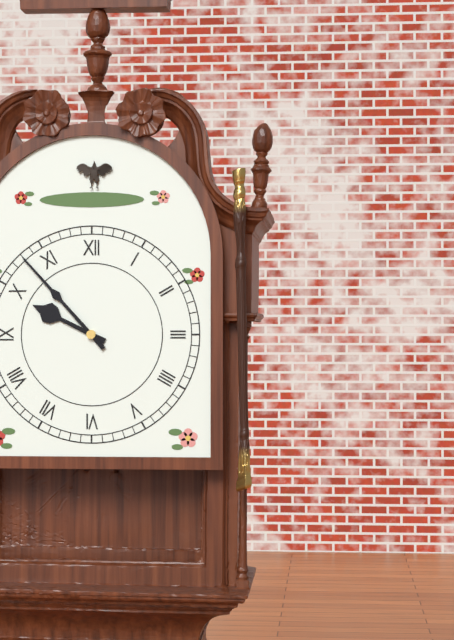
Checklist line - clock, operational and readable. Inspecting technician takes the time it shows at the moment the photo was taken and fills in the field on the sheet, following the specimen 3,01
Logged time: 9,53
